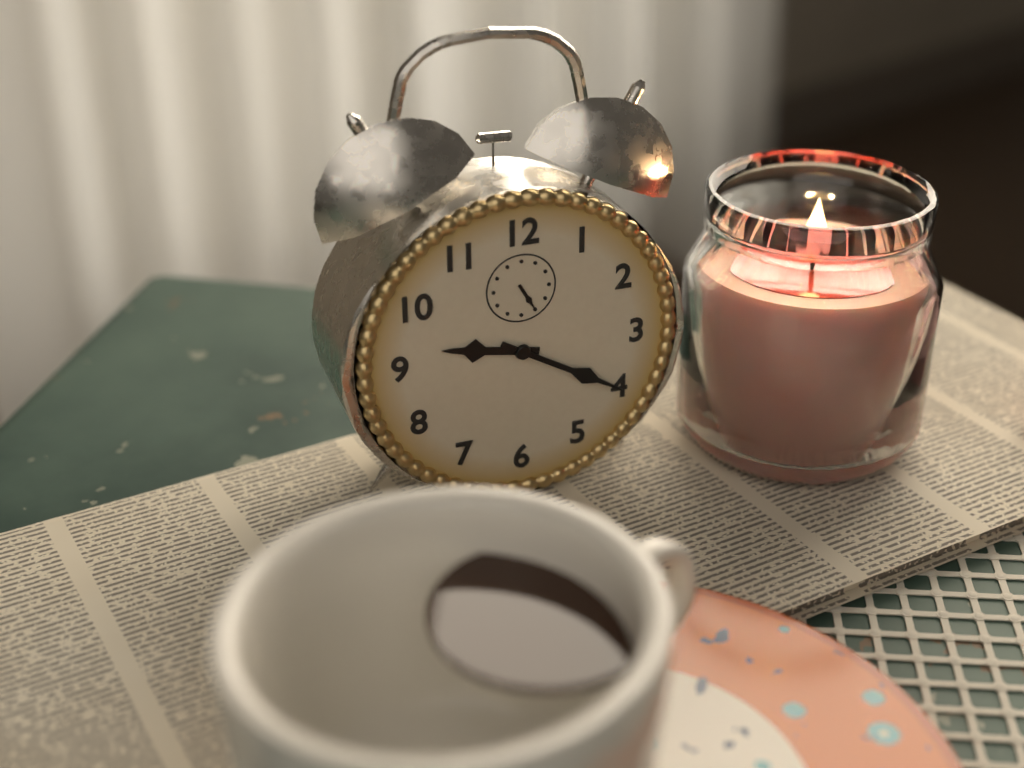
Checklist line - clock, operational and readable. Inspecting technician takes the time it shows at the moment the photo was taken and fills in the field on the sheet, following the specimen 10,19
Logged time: 9,20
